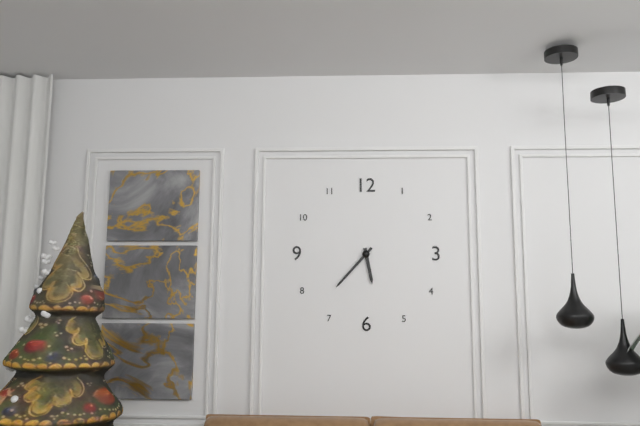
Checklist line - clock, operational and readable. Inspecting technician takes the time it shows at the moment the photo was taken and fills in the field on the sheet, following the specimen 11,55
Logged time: 5,37
